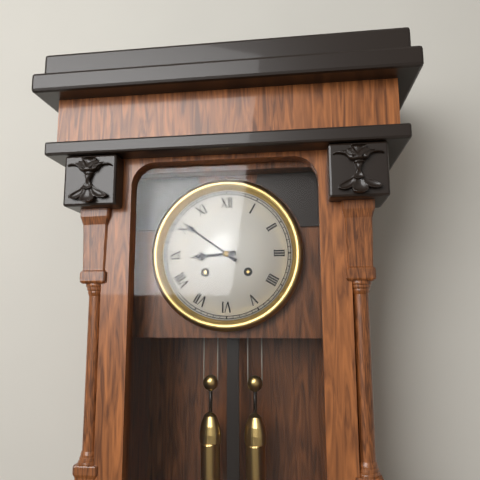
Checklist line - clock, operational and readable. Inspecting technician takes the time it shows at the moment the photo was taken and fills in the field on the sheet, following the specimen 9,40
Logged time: 8,51
